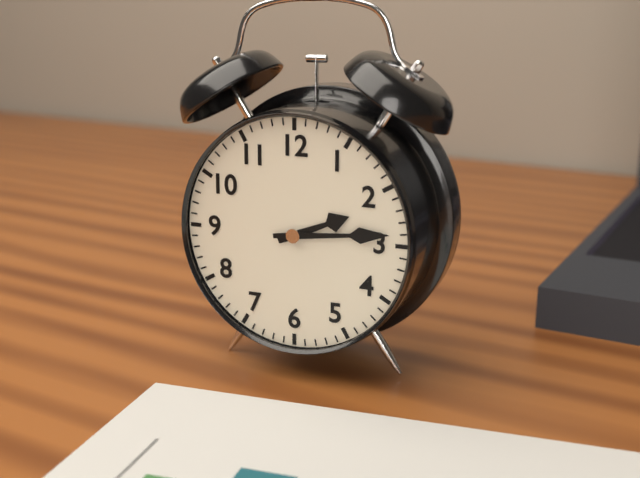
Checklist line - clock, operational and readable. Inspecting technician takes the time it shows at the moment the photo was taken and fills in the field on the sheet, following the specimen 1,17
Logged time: 2,14
